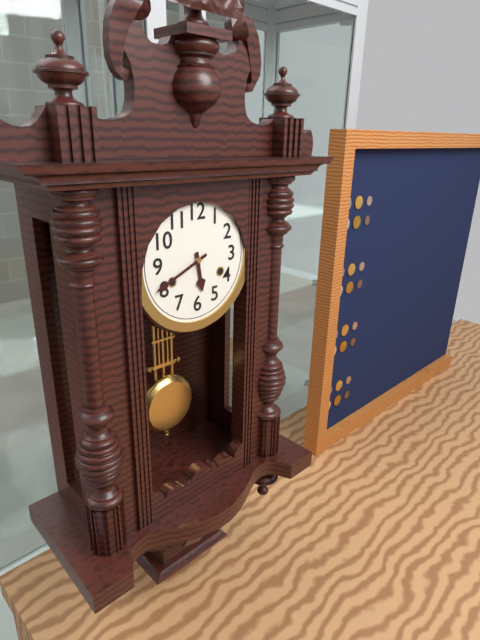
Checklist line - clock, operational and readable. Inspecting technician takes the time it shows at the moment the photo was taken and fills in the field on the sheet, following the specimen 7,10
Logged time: 5,41
